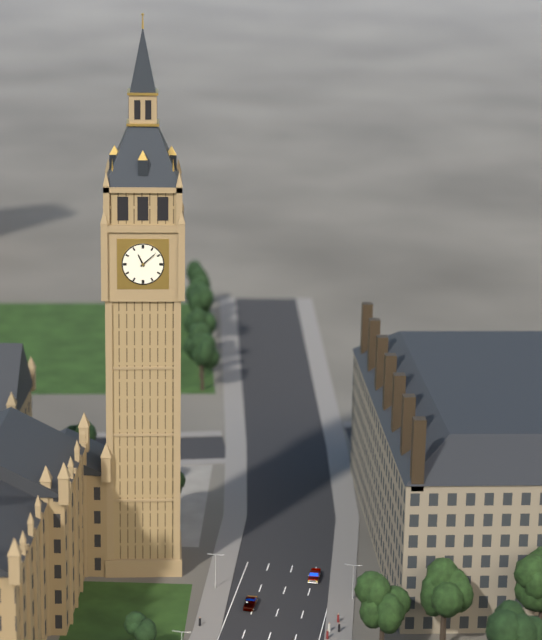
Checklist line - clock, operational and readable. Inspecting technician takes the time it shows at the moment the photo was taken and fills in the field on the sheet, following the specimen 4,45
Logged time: 11,08
